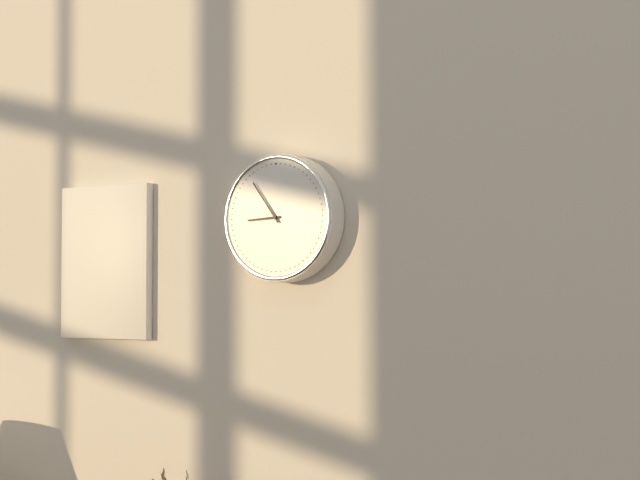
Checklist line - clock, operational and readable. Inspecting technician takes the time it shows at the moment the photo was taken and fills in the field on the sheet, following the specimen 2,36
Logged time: 8,54
